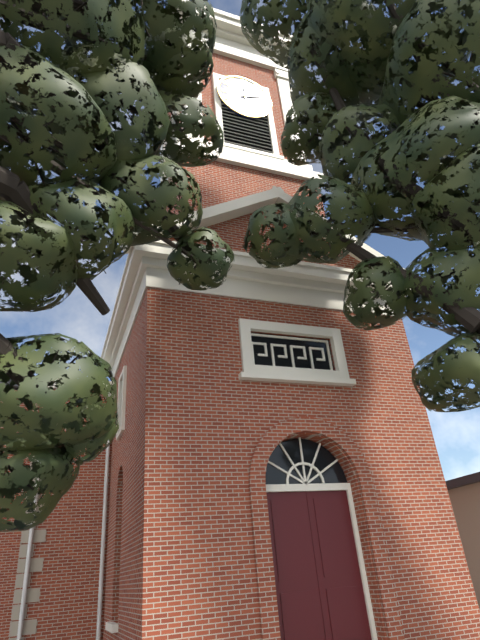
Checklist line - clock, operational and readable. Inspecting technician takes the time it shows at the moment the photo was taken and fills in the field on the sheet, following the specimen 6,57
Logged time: 12,12
